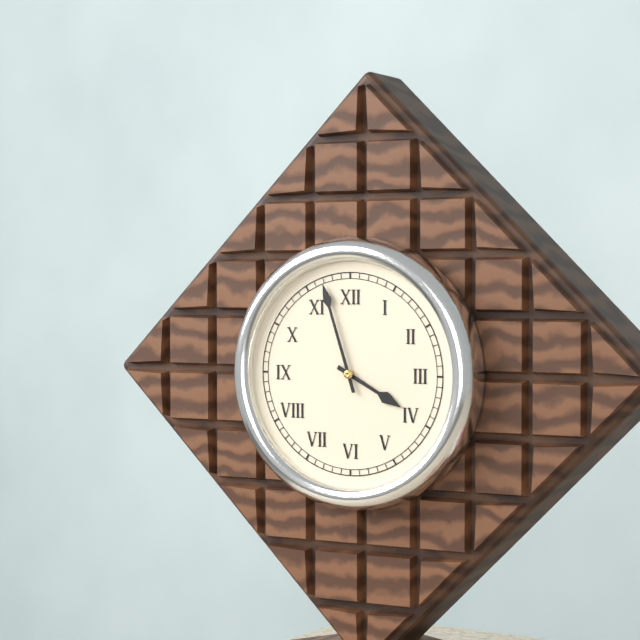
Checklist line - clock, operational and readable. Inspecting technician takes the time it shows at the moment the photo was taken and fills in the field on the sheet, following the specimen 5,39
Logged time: 3,57
